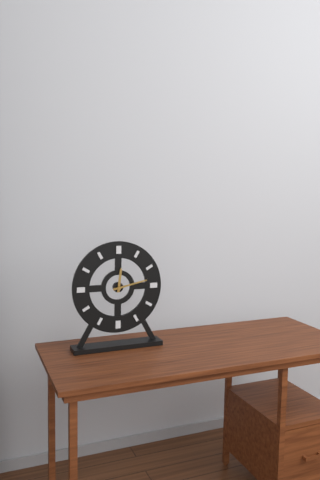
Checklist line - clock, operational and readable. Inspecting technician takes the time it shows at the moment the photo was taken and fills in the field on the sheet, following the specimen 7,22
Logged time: 12,13
